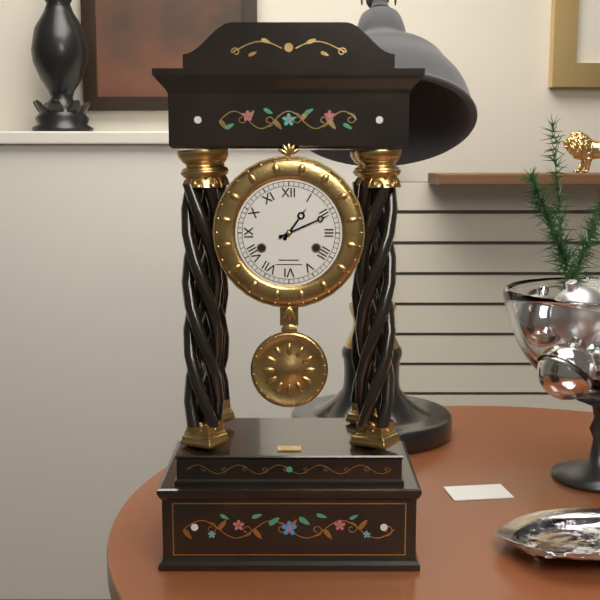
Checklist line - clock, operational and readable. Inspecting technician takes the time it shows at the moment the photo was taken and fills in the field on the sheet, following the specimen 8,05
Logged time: 1,11
